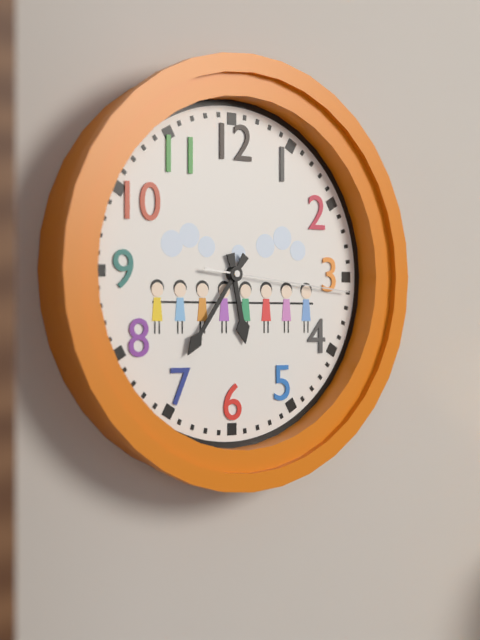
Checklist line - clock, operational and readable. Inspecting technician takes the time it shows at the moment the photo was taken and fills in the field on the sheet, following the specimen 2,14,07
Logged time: 5,36,16
